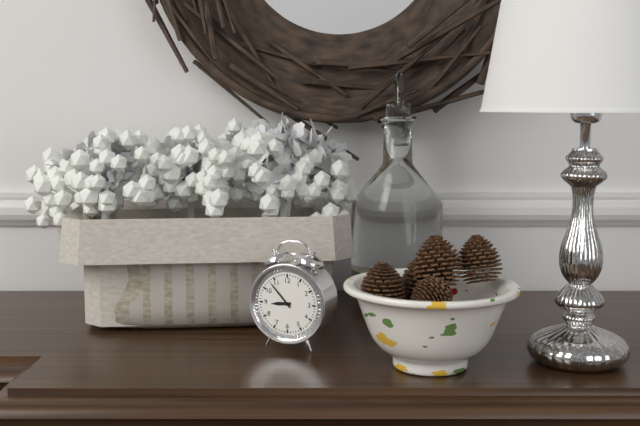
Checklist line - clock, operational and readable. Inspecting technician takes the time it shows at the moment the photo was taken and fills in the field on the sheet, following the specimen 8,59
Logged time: 8,53
